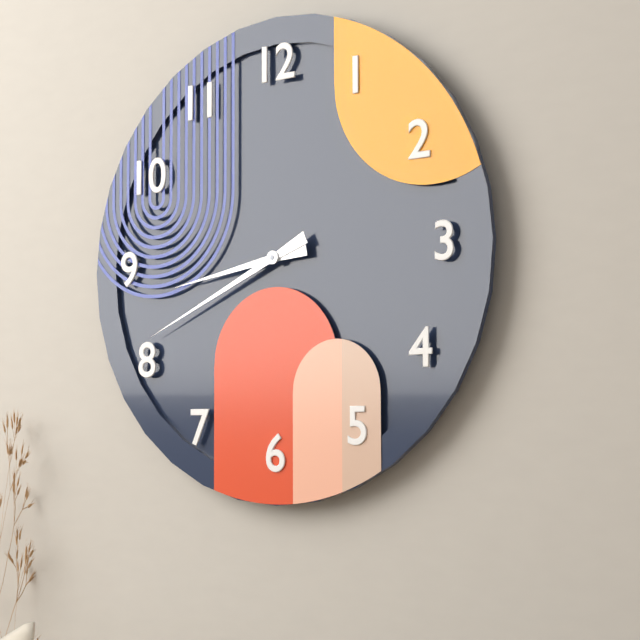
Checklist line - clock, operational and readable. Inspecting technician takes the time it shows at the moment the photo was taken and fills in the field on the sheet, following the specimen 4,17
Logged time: 8,41
